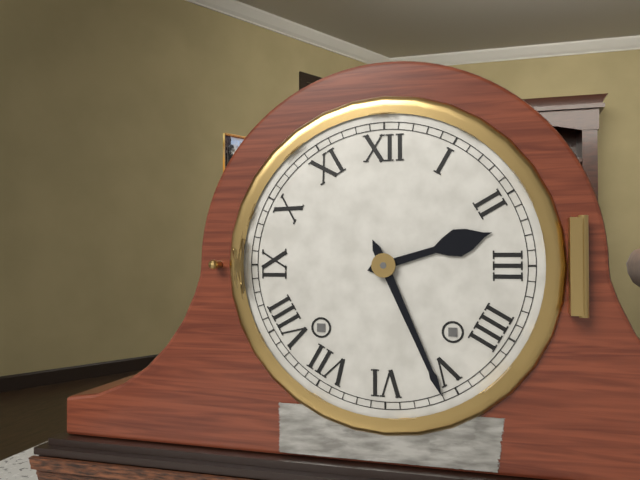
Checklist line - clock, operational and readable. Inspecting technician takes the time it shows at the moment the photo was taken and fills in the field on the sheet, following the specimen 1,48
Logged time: 2,26
